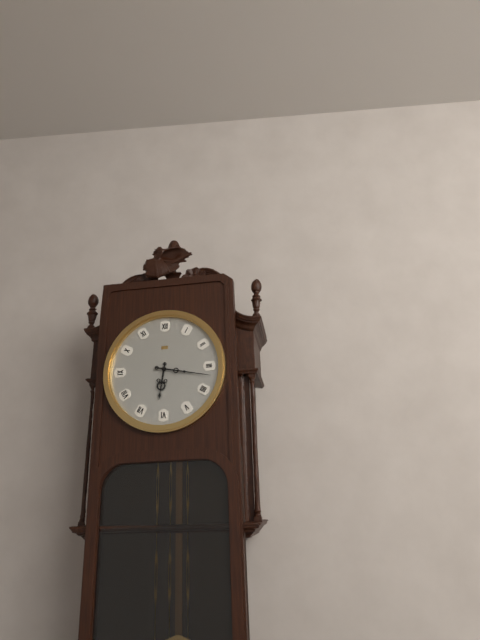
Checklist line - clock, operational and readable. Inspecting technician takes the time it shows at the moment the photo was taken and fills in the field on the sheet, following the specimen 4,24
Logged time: 6,17
